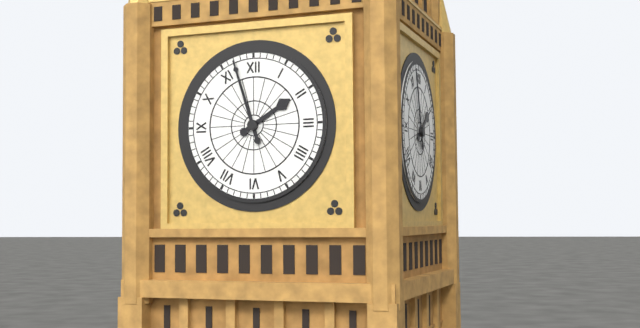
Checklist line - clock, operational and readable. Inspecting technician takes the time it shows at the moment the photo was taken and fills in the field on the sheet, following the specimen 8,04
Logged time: 1,57
